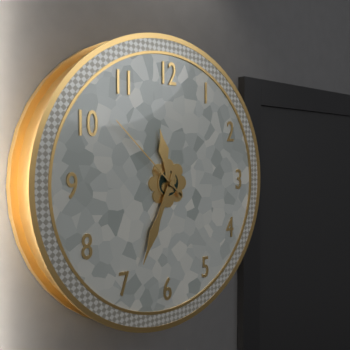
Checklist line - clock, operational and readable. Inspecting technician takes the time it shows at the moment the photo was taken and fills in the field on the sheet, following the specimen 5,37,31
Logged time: 11,34,52
